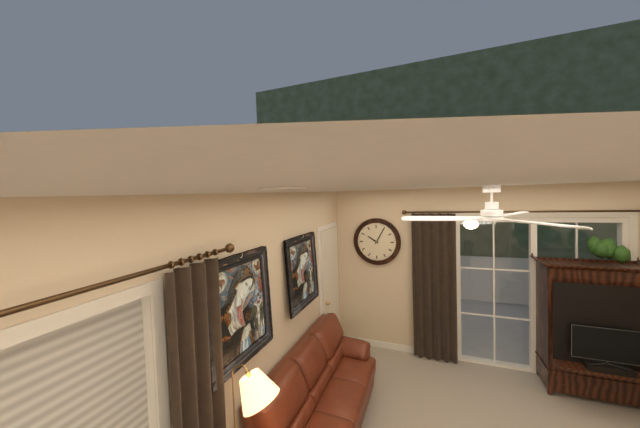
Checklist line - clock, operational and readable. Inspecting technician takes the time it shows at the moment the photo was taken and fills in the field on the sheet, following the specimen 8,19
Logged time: 10,05
